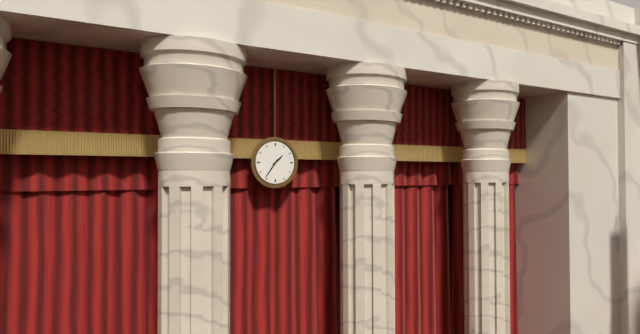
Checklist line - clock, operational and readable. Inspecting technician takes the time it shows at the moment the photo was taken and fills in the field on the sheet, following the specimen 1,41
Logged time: 1,36
